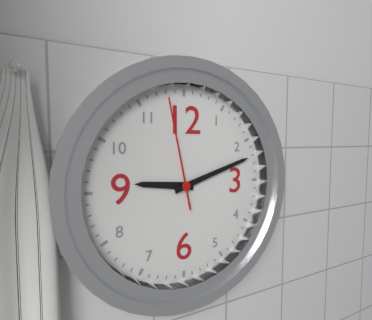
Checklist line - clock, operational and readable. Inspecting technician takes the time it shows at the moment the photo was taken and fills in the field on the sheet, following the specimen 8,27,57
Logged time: 9,12,58
